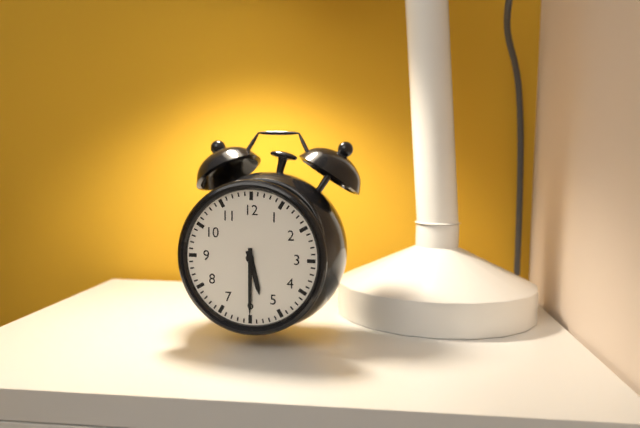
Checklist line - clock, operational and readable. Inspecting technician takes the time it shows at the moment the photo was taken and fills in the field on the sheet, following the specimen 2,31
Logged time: 5,30
